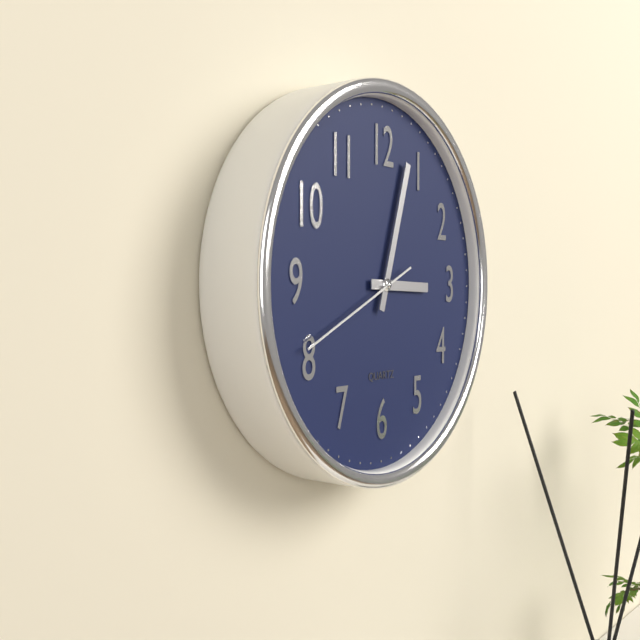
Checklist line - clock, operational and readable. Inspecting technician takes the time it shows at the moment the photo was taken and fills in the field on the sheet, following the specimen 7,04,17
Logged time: 3,03,41
